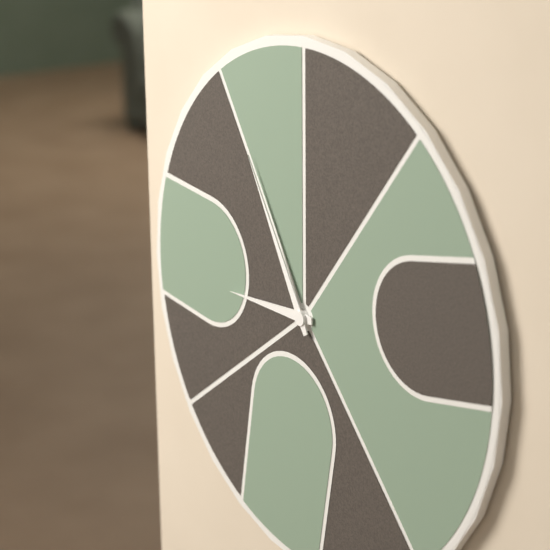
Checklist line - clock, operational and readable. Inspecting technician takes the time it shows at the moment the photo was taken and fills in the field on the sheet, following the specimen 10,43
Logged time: 8,55
